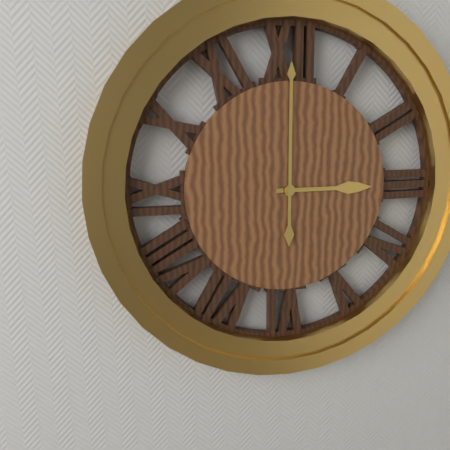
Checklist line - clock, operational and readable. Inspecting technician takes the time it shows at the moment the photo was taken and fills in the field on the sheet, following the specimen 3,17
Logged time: 3,00
